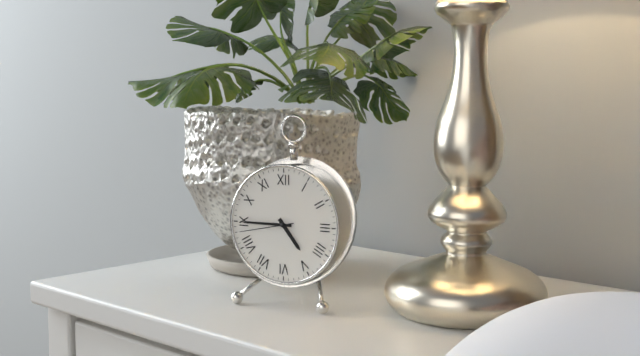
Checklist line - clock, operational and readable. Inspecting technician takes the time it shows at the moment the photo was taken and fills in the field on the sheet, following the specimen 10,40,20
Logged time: 4,45,43
